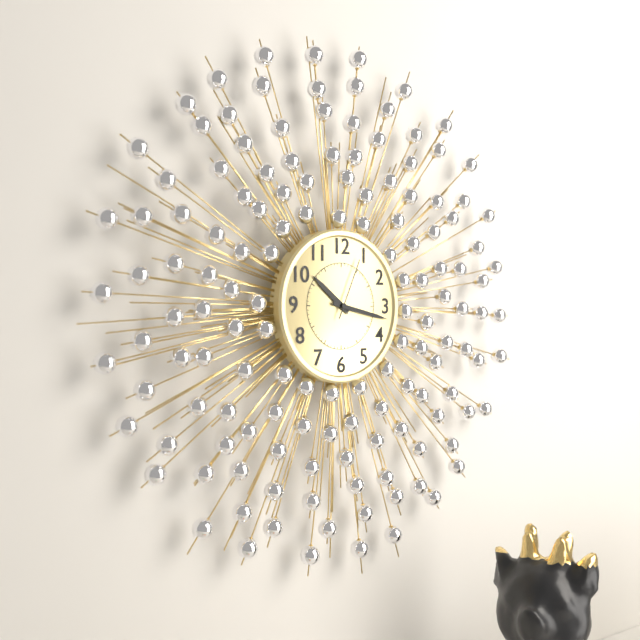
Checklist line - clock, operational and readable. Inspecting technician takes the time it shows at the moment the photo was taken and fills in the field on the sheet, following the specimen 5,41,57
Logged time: 10,17,04
